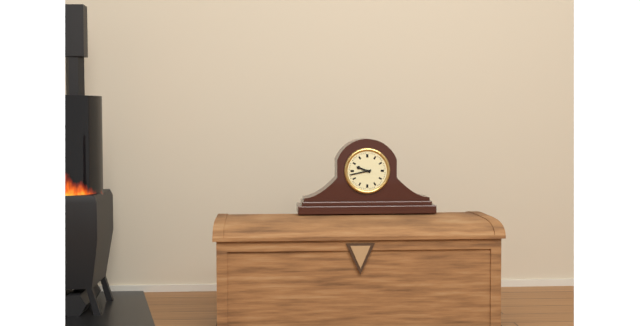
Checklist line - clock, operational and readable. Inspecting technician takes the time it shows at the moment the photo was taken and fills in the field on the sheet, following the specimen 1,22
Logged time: 9,43
